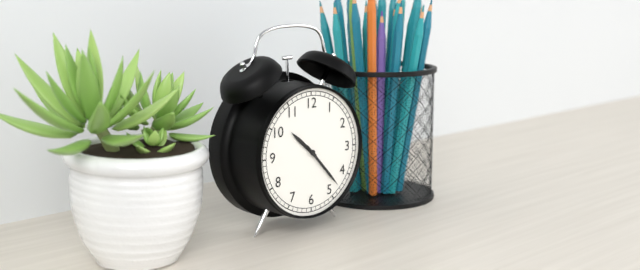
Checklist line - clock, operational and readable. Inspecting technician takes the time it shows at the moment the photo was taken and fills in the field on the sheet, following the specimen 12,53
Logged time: 10,23
